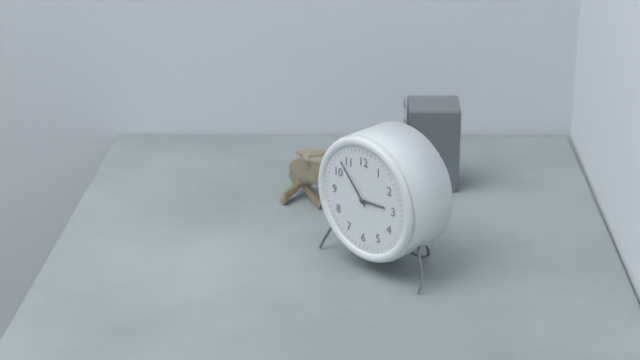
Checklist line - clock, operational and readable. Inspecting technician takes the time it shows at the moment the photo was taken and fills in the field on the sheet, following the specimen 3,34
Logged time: 2,53
